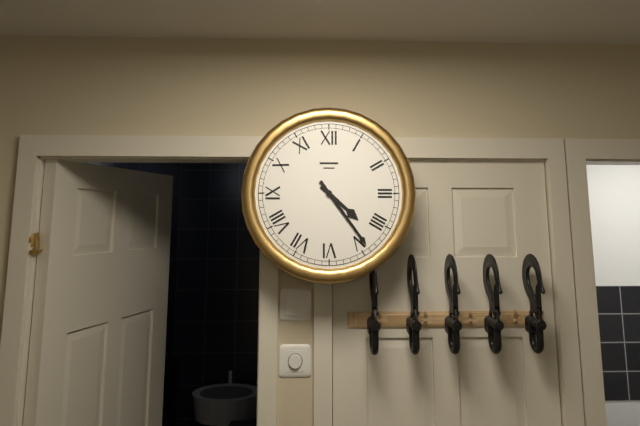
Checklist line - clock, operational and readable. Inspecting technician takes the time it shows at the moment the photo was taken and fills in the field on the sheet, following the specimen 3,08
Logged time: 4,24
